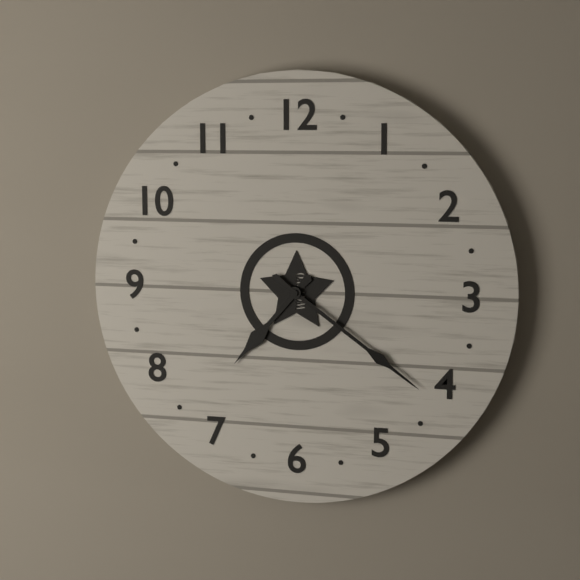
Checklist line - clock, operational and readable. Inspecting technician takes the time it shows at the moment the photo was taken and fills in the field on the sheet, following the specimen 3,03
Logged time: 7,21
